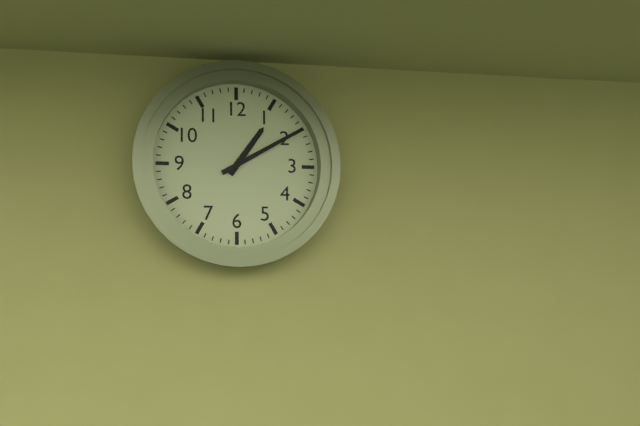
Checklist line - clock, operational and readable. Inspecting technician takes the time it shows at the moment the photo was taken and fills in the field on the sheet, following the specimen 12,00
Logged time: 1,10
